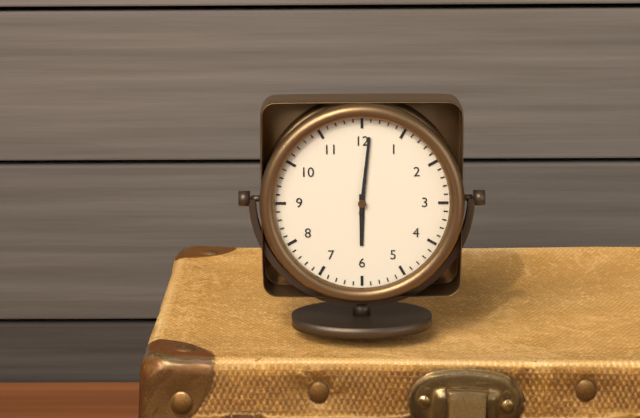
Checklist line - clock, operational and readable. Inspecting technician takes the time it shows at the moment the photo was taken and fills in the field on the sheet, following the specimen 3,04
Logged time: 6,01
